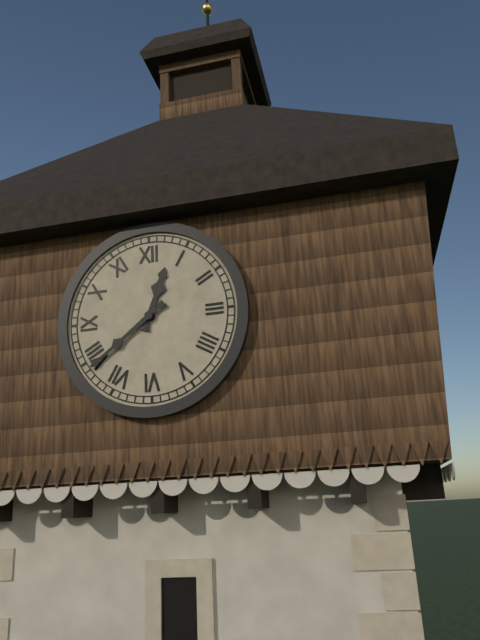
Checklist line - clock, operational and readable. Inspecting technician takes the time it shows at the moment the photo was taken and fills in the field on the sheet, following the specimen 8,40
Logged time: 12,39
